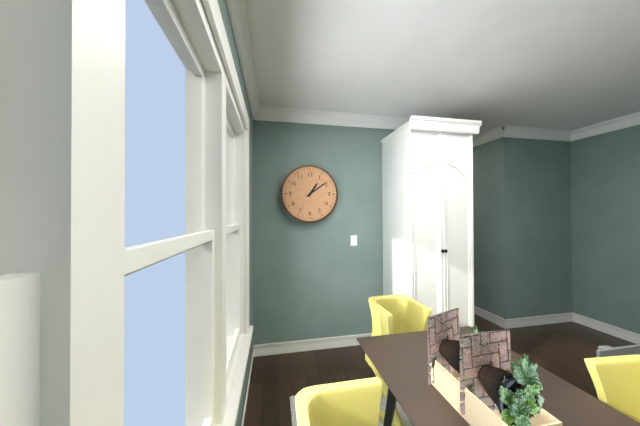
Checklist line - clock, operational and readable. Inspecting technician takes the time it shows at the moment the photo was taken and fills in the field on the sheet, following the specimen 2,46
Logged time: 1,09
